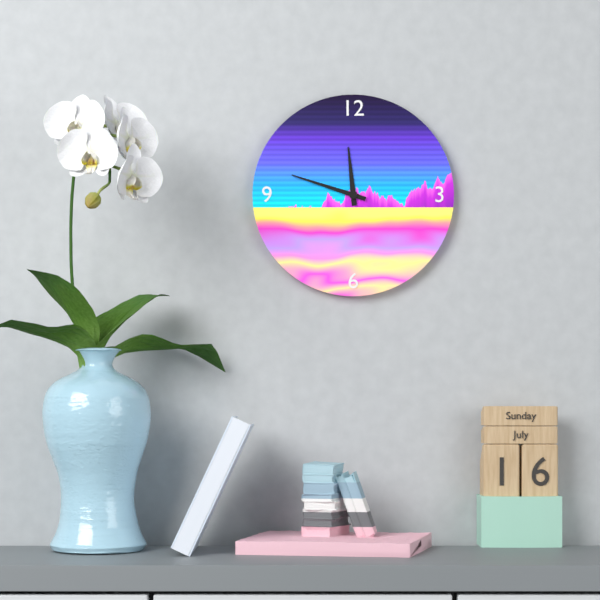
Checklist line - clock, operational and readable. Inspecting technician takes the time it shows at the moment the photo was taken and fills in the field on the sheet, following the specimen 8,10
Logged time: 11,48
